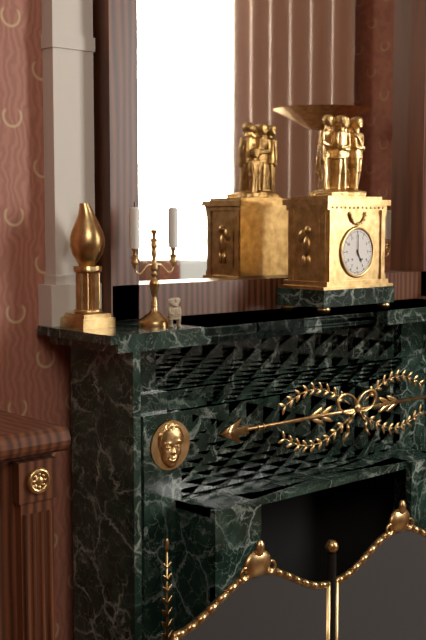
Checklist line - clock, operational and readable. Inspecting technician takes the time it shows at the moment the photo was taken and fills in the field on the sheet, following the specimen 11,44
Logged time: 5,00
